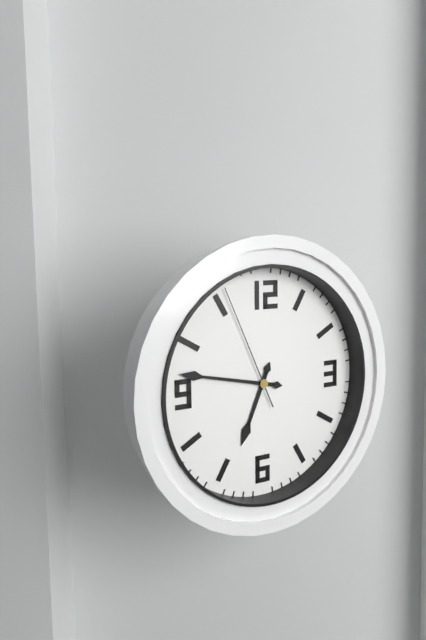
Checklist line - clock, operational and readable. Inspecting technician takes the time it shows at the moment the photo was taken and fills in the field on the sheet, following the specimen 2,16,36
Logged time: 6,47,56
